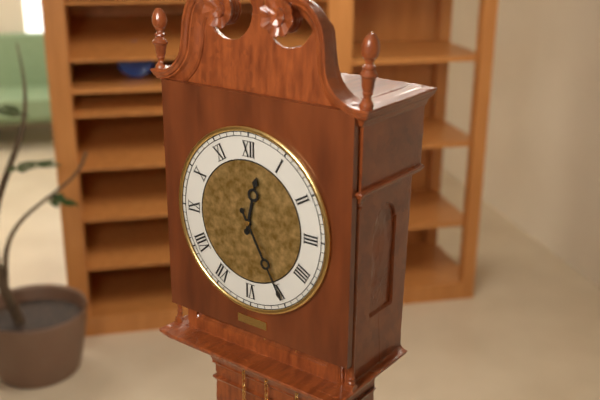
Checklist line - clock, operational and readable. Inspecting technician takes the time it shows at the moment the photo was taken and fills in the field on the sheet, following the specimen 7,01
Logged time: 12,25
